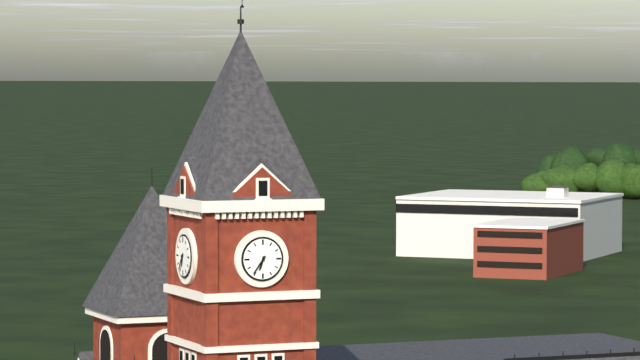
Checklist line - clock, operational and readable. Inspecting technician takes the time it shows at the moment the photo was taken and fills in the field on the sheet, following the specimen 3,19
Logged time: 6,36
